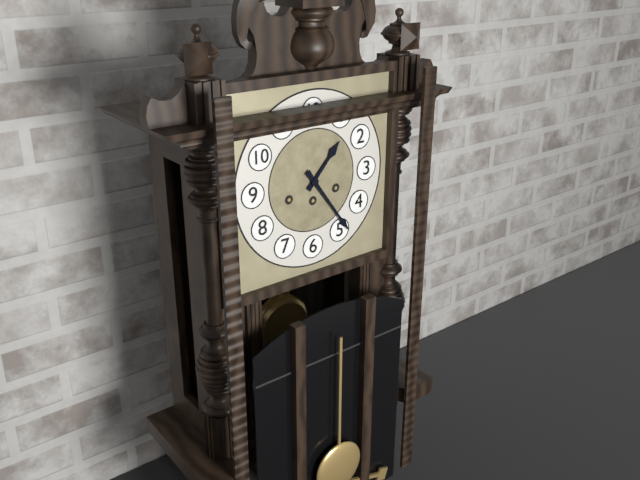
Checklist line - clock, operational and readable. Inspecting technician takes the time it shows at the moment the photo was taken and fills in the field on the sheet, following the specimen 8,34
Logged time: 1,24
